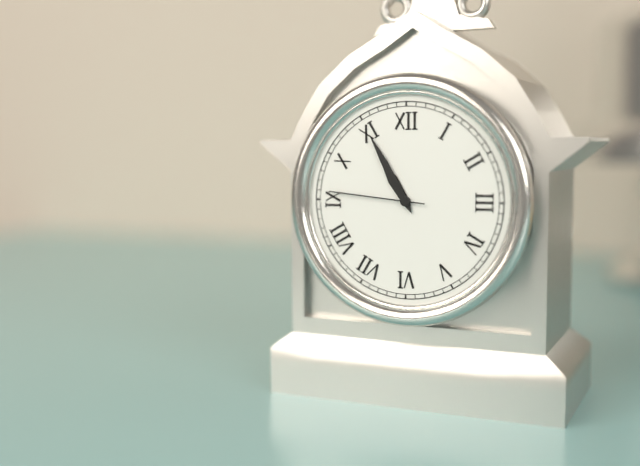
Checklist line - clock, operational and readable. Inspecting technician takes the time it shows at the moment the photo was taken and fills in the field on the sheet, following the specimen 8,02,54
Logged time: 10,55,46
